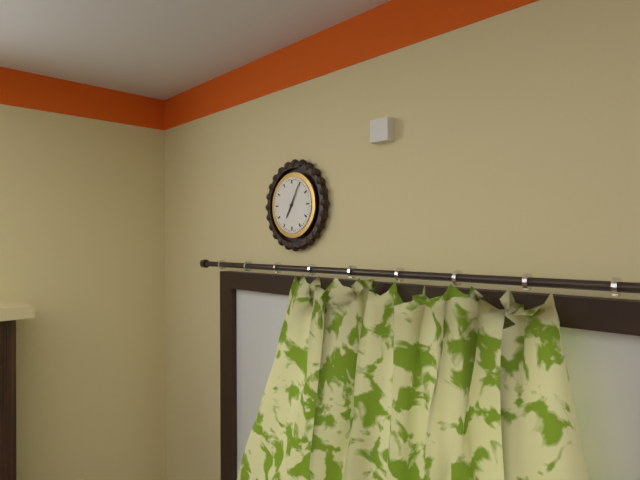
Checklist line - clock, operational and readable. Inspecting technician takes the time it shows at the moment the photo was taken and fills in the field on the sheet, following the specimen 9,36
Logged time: 7,05
